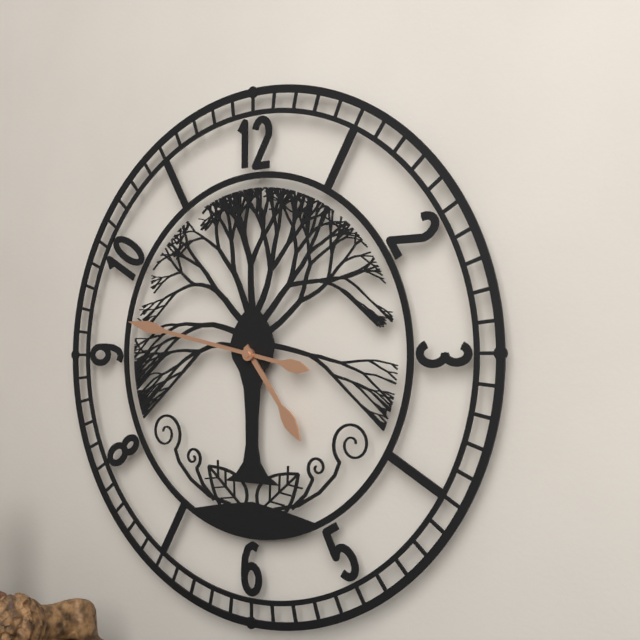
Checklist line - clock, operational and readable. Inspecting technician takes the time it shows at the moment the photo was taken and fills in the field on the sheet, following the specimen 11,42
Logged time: 4,47
